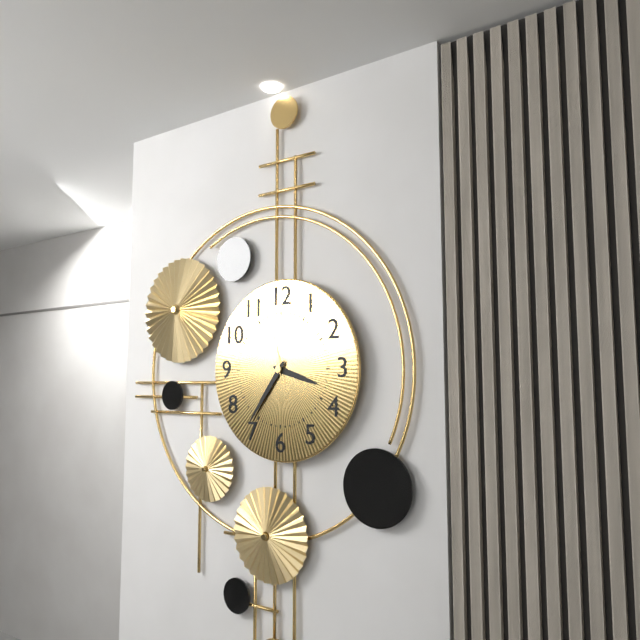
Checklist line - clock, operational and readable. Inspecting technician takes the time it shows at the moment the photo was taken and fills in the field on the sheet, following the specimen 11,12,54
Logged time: 3,36,57
